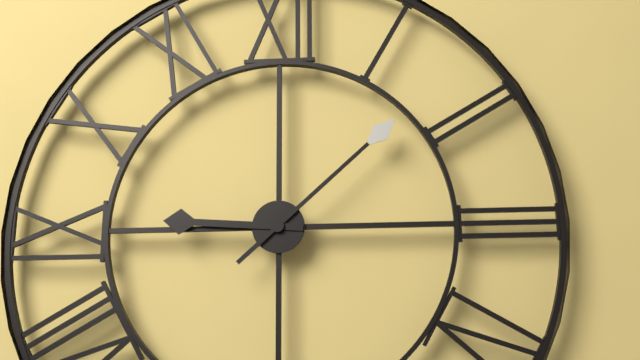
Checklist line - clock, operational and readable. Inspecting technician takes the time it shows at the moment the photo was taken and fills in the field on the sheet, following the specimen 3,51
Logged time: 9,08
